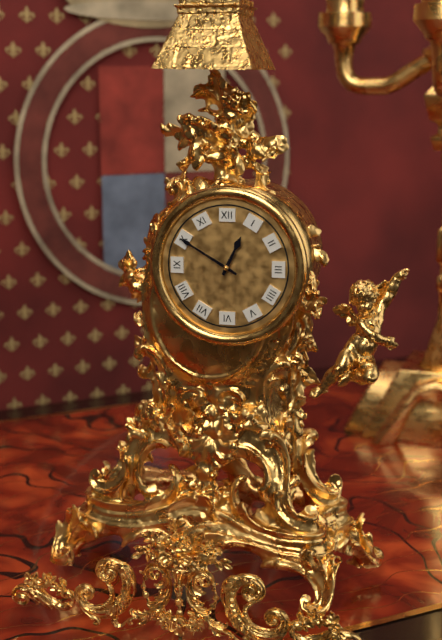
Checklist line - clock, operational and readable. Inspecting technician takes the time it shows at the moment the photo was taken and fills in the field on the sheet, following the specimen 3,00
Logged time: 12,50
